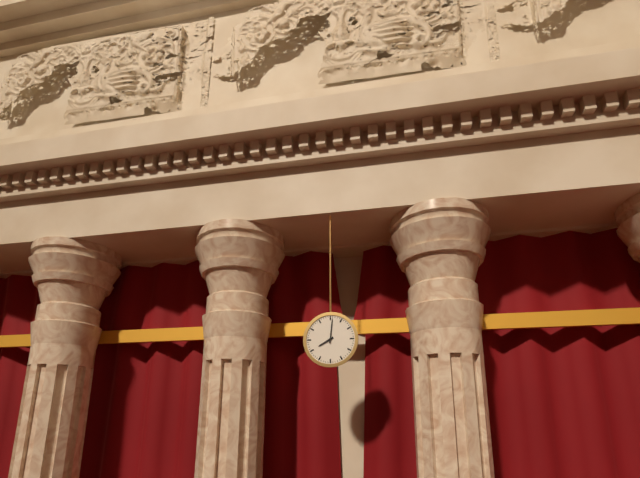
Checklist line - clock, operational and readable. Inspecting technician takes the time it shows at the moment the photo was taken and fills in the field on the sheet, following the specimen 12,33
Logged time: 8,01
